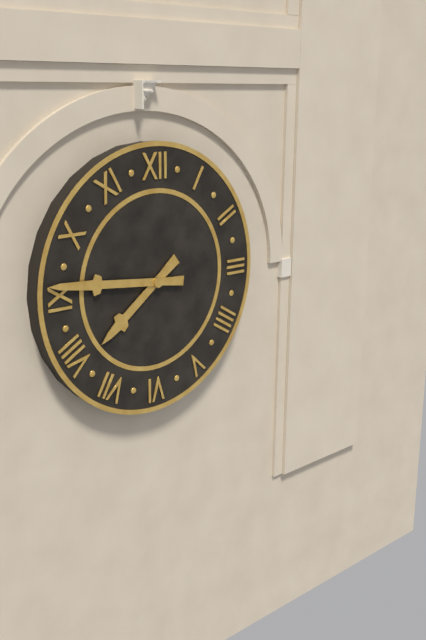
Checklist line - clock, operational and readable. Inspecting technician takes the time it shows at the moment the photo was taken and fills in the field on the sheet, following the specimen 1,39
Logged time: 7,46
